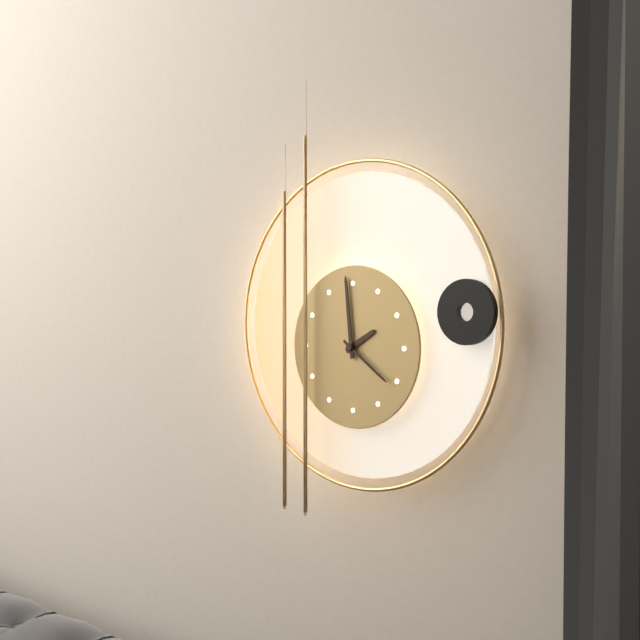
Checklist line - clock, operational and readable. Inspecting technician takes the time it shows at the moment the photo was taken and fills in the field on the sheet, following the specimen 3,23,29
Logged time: 1,59,21
